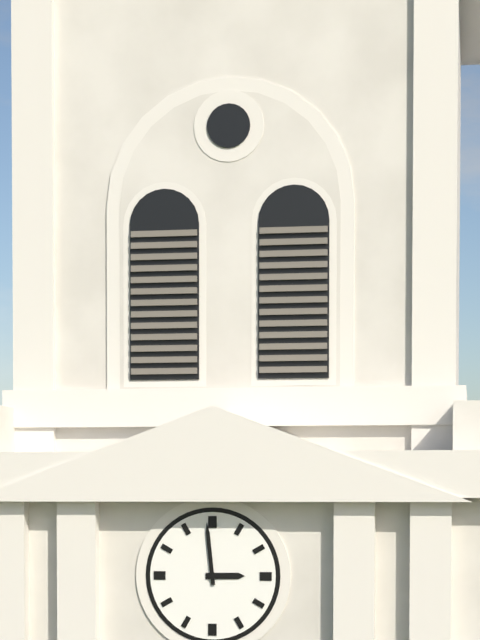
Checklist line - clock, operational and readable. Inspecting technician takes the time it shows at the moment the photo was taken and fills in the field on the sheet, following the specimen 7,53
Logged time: 2,59
